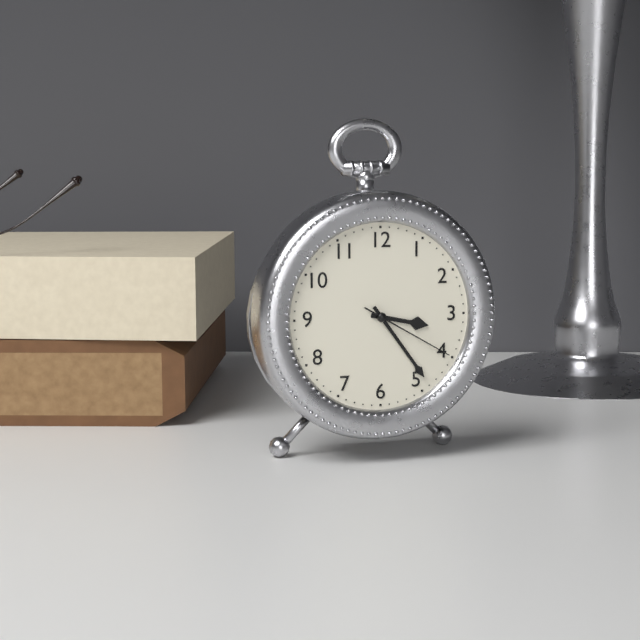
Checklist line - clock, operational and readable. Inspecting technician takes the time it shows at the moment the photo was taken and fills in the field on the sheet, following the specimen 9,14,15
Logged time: 3,24,20
